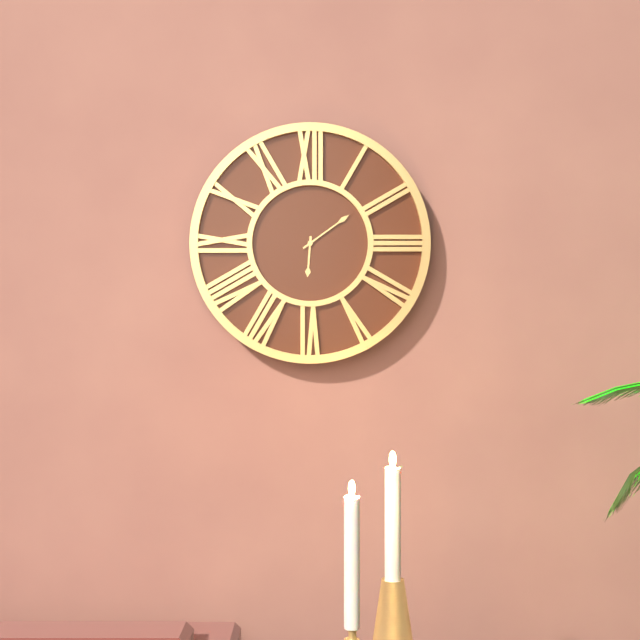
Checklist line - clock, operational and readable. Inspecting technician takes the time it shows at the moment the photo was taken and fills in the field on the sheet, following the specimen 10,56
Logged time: 6,09
